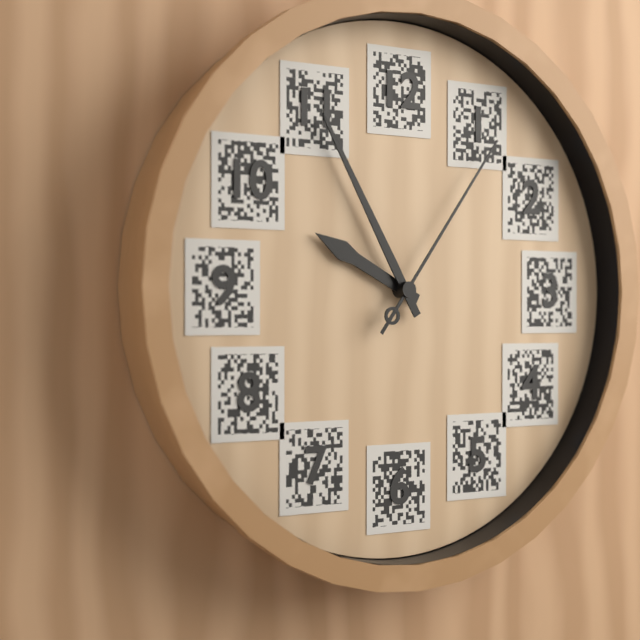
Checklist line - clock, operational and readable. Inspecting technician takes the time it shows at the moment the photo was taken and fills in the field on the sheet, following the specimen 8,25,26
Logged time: 9,55,06
